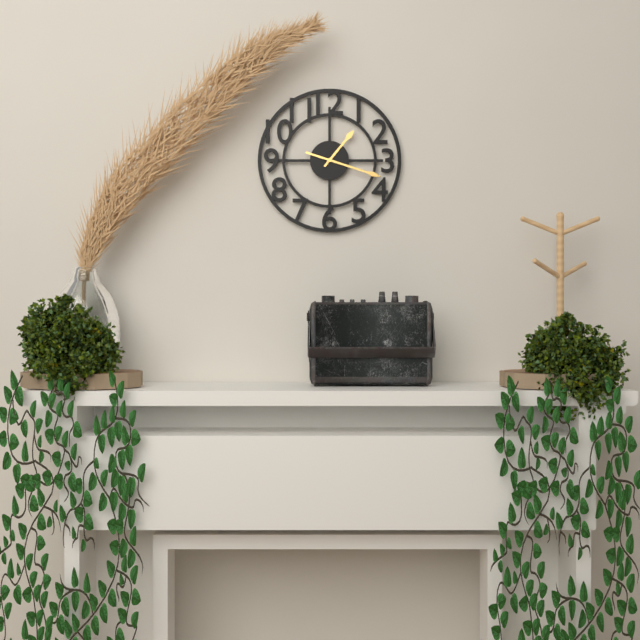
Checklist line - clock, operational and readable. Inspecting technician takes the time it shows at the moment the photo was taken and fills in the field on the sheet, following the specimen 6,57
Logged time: 1,18
